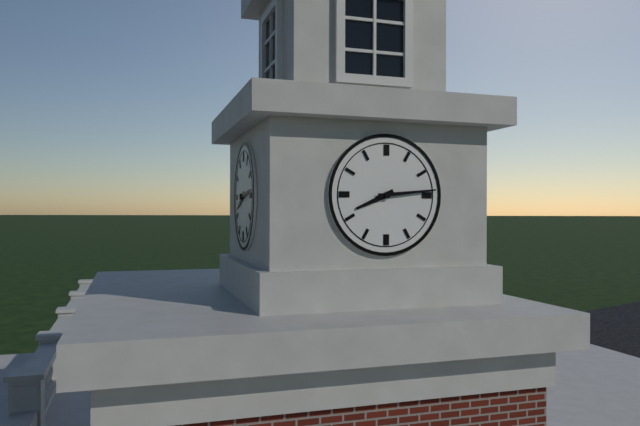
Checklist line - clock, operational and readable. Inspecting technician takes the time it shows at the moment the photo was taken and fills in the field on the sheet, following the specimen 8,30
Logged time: 8,14
